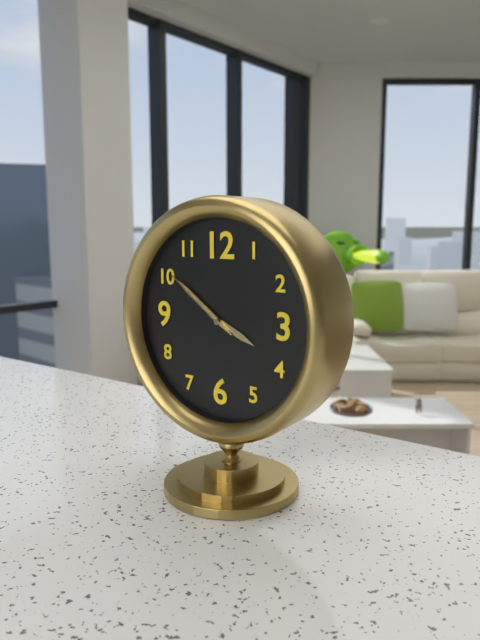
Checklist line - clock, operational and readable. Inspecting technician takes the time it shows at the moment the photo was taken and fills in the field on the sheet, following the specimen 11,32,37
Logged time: 3,51,51
